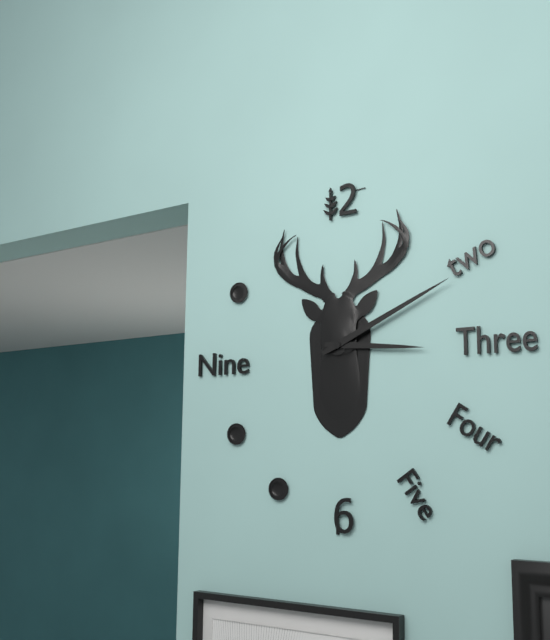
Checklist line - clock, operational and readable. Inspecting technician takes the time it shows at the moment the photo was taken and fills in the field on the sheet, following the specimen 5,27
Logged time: 3,11
